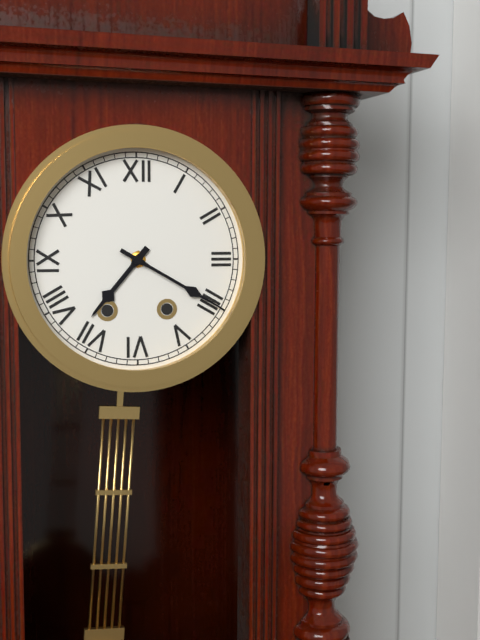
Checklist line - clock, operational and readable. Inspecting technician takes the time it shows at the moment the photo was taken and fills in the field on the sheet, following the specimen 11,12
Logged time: 7,20
